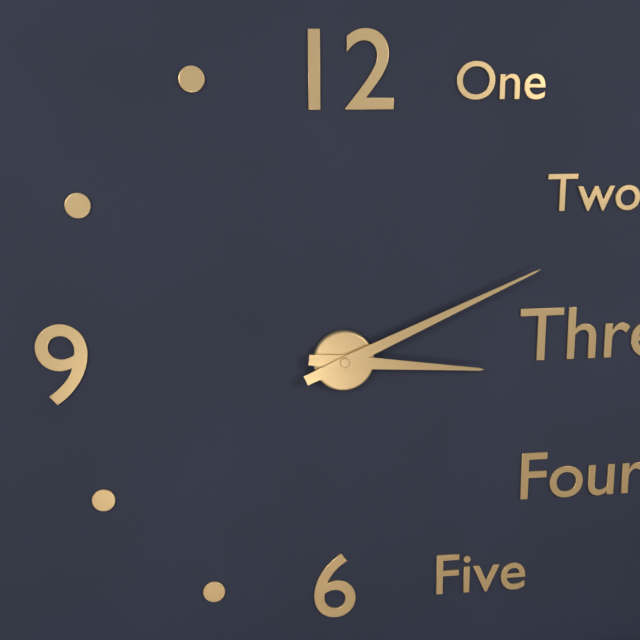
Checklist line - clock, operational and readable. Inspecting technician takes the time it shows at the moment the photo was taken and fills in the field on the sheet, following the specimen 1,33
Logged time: 3,11
